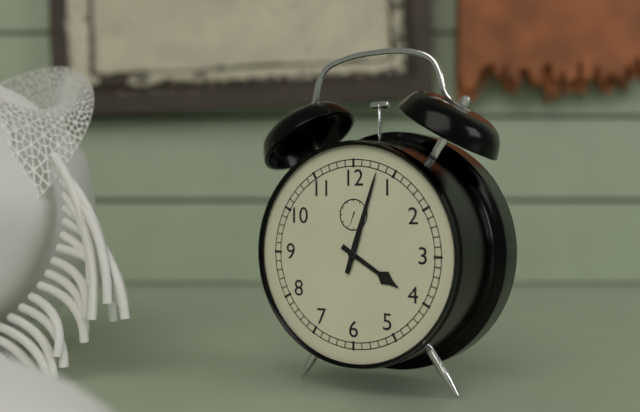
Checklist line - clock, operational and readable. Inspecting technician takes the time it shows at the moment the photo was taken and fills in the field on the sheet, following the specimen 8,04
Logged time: 4,03
